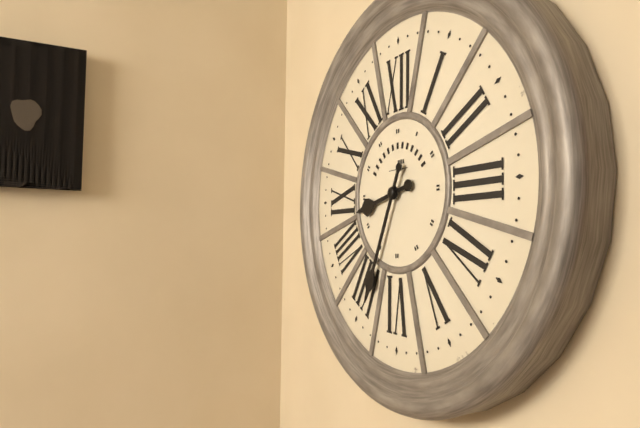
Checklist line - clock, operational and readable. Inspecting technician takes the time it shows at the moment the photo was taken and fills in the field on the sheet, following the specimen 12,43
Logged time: 8,34
